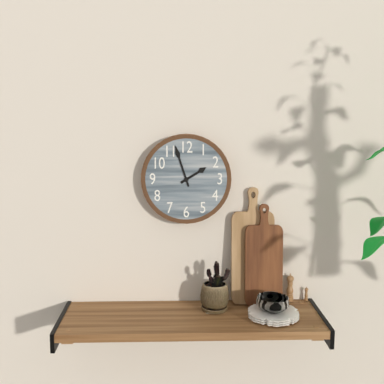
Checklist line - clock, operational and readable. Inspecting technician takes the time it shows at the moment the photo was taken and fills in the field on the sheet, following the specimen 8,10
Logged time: 1,57
